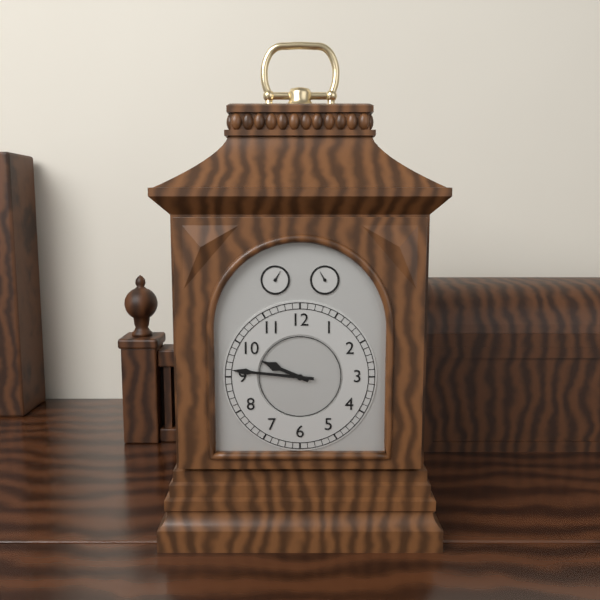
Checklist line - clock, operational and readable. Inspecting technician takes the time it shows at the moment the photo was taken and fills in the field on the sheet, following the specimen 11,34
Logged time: 9,46
